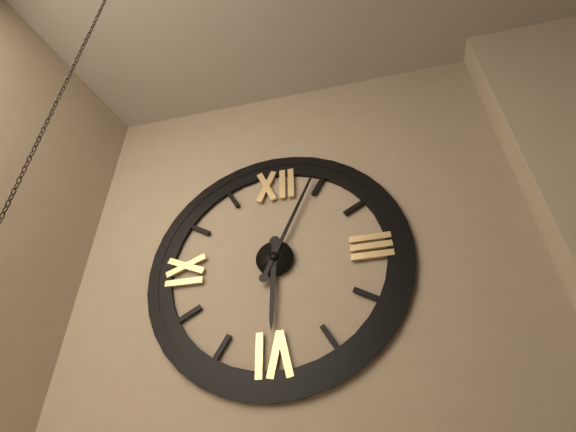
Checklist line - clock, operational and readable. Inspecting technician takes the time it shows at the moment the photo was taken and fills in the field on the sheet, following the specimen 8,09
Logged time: 6,04
